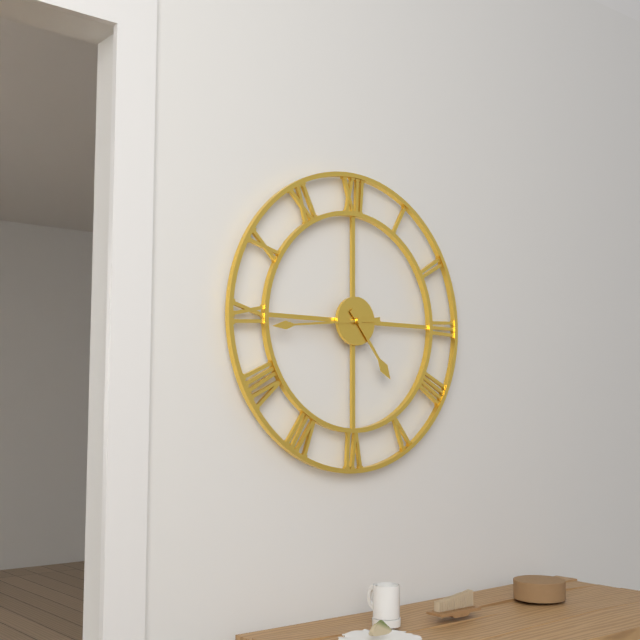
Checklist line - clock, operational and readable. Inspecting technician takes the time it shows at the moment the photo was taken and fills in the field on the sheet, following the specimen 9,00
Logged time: 4,44
